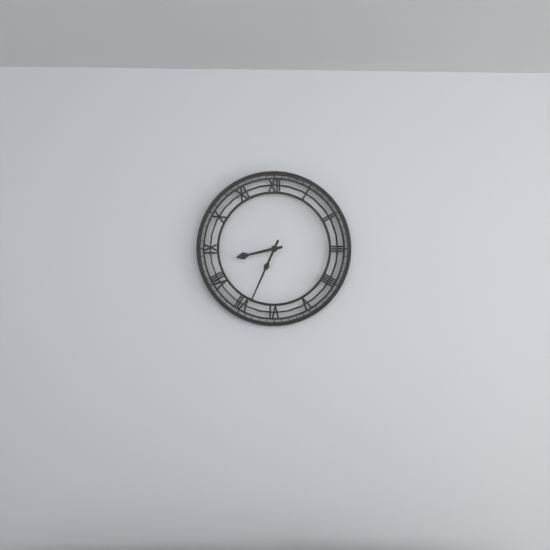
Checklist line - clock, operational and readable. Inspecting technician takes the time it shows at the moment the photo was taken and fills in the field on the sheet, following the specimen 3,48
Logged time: 8,34
